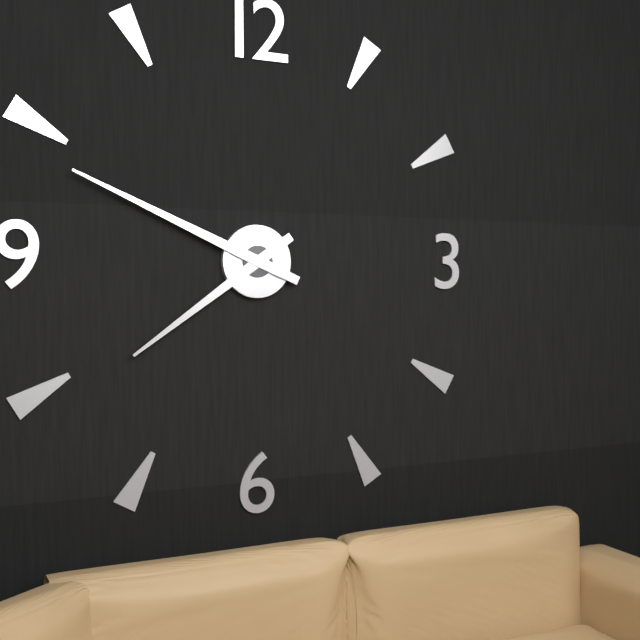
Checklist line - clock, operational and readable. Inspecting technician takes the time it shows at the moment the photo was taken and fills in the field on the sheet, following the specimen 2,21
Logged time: 7,49
